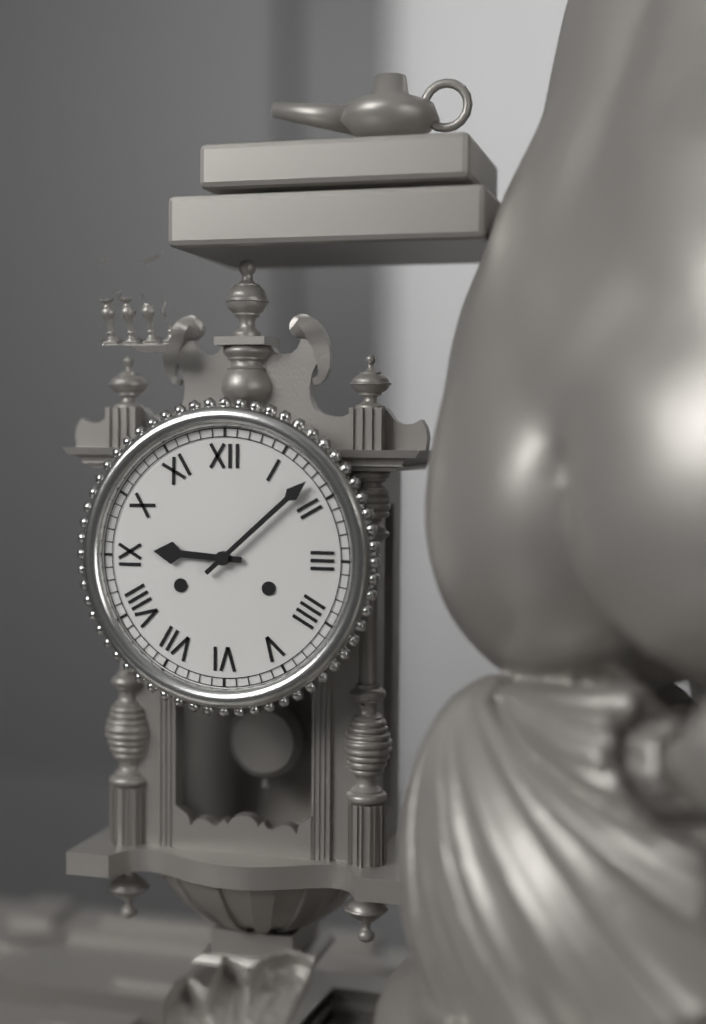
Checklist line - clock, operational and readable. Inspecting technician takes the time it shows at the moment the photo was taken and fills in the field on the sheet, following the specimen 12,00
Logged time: 9,08
